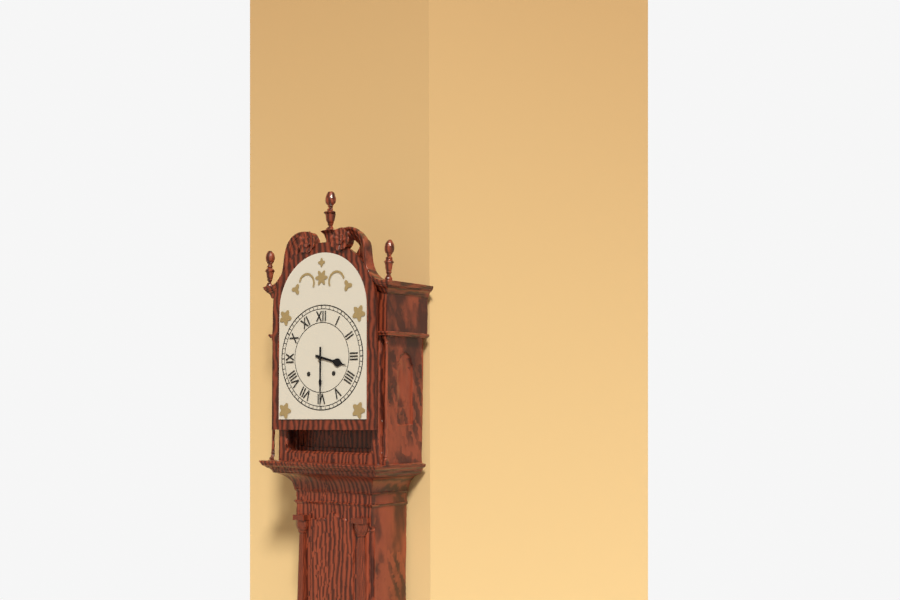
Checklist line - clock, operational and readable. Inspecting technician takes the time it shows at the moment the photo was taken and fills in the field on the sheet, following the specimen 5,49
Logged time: 3,30
